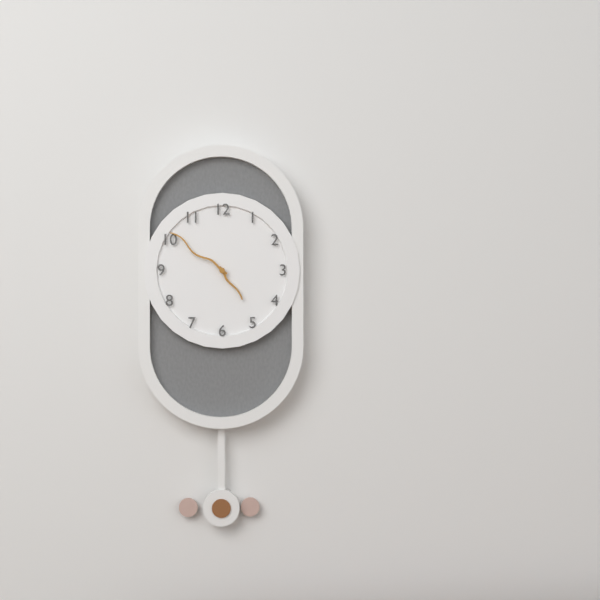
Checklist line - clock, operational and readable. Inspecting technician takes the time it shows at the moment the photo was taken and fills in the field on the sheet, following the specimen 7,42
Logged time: 4,51
